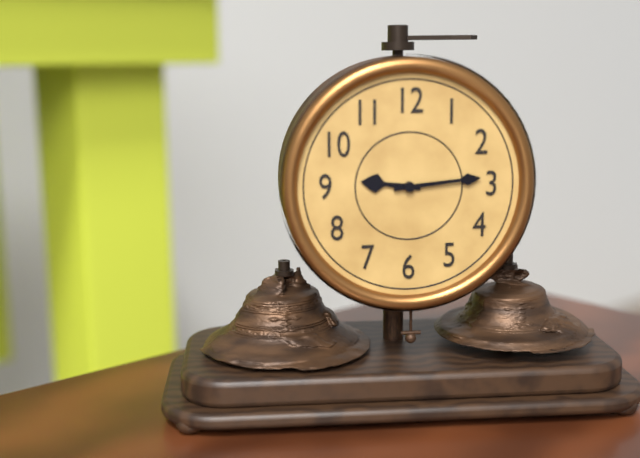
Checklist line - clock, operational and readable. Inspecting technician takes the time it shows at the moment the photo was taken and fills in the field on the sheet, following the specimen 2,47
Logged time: 9,14
